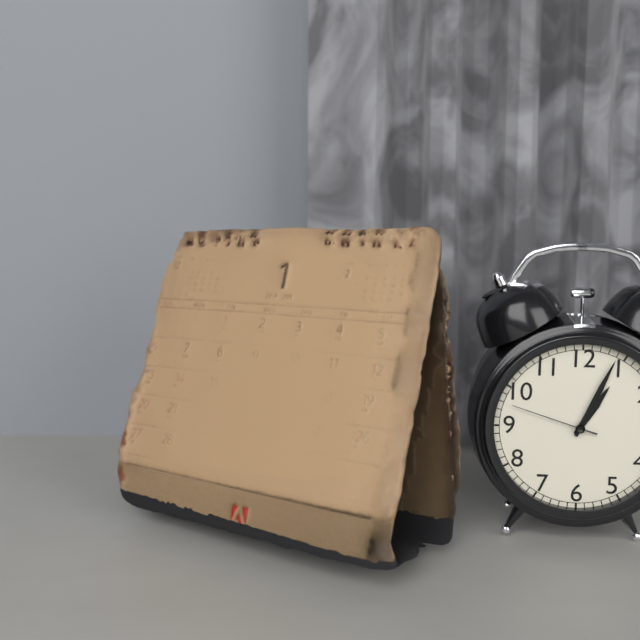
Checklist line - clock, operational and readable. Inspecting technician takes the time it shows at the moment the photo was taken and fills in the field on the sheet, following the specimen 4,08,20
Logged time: 1,04,48
